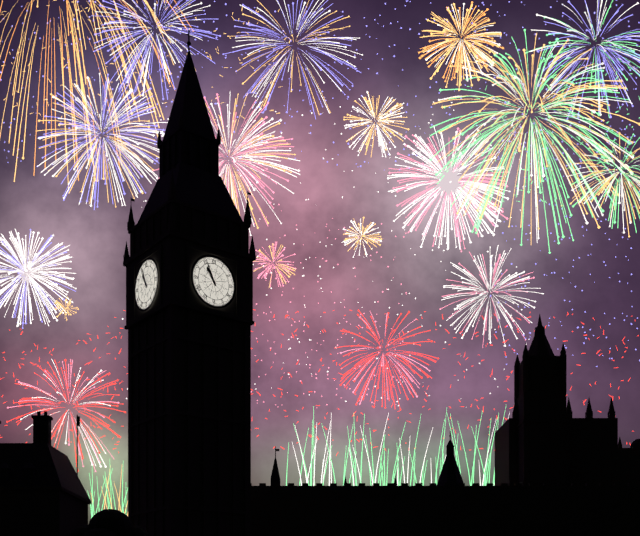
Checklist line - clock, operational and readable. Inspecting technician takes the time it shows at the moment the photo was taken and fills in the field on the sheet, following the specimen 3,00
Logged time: 10,56
